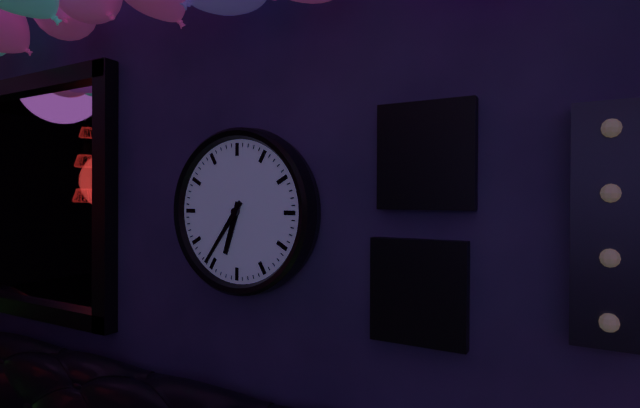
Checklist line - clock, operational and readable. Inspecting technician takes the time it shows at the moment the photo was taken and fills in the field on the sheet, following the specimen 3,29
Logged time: 6,36
